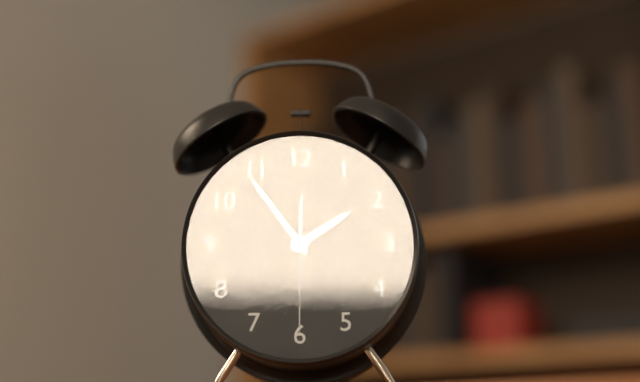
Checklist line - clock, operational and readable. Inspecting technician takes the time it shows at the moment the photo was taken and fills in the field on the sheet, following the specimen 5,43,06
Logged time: 1,54,30
